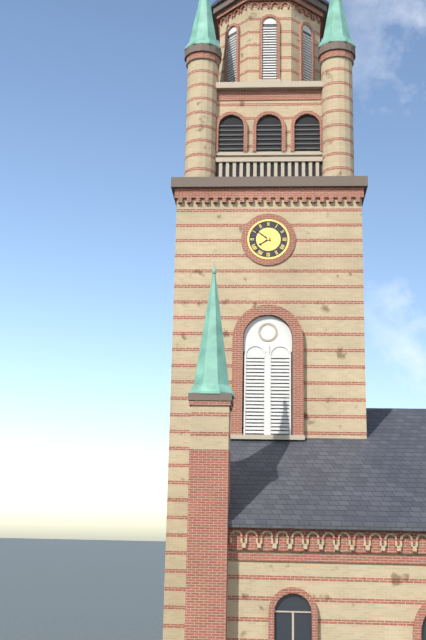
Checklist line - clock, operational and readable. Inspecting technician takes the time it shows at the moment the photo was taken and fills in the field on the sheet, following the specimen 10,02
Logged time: 7,51
